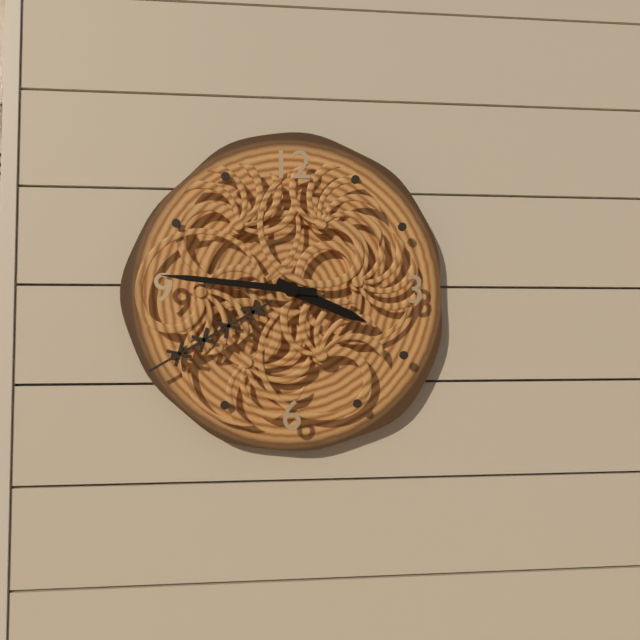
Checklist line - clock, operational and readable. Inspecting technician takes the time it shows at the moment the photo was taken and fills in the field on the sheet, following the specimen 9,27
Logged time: 3,46
